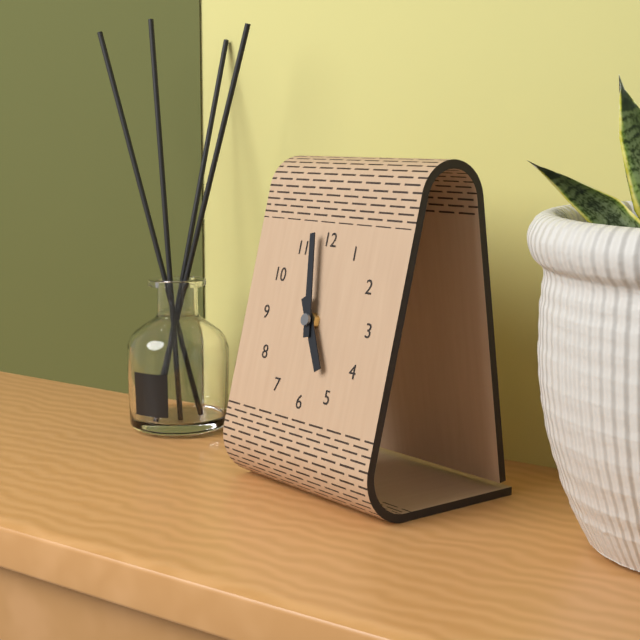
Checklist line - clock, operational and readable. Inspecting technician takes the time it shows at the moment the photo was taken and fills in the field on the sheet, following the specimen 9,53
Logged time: 4,58
